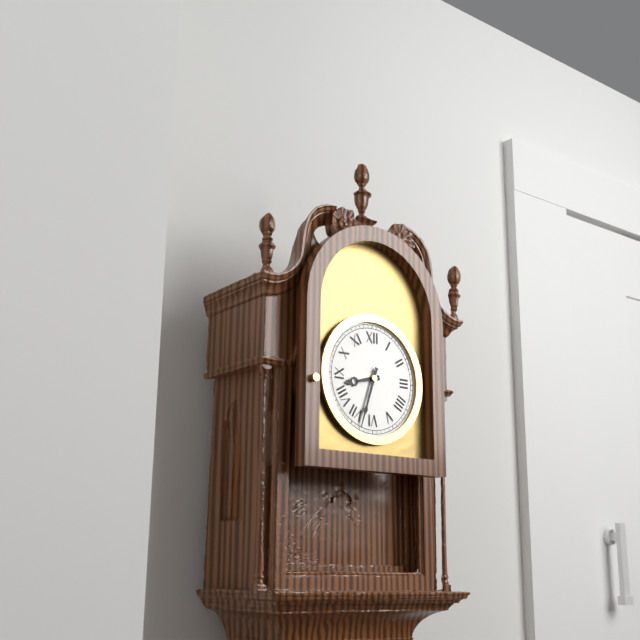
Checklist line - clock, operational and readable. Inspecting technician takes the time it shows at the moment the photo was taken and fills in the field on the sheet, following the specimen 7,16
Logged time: 8,33
